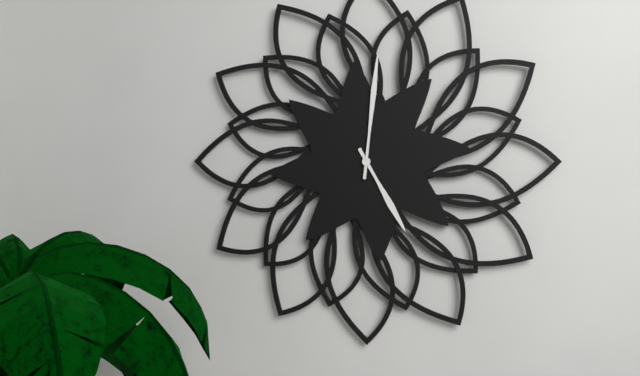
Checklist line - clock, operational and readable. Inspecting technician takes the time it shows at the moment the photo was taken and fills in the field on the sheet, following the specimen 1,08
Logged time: 5,01
